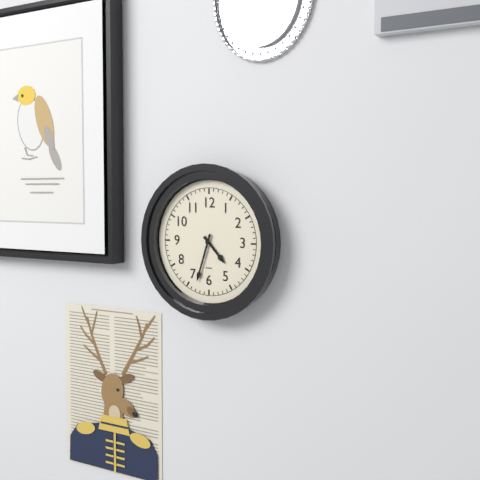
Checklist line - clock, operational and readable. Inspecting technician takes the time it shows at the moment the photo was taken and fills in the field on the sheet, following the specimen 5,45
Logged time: 4,33
